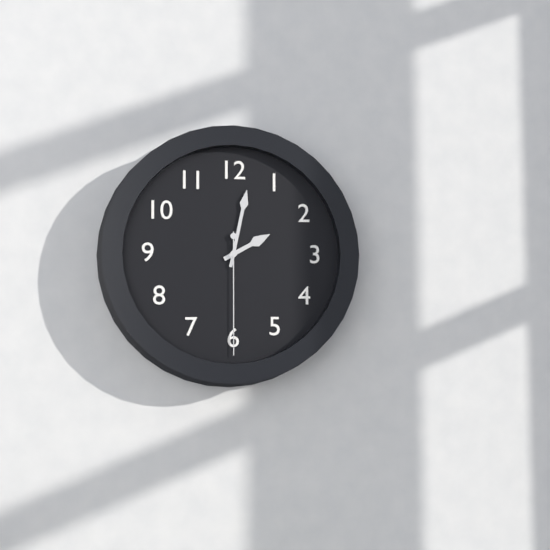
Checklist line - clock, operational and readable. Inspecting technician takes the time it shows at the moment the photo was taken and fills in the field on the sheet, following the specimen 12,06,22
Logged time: 2,02,30
